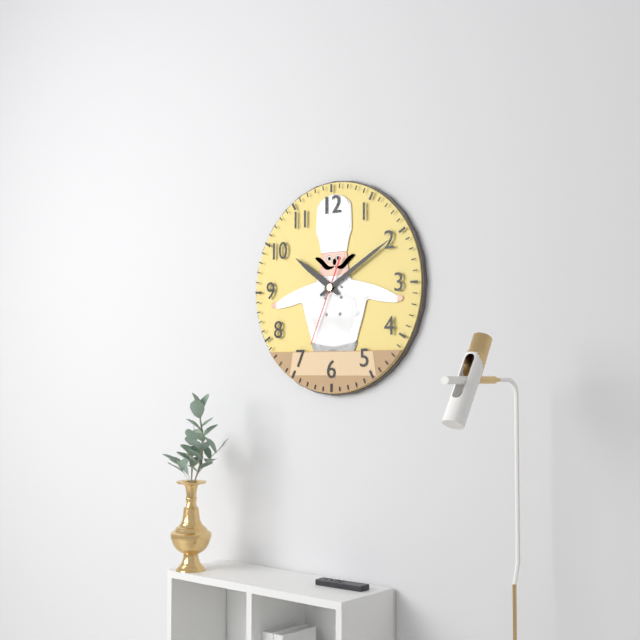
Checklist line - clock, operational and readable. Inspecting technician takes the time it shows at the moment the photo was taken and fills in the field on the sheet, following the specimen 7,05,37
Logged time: 10,10,34
